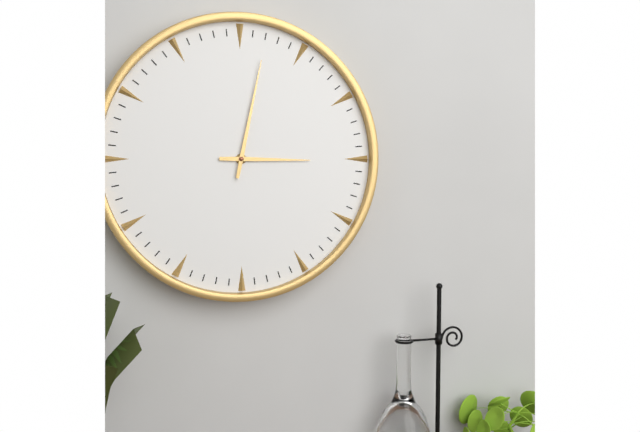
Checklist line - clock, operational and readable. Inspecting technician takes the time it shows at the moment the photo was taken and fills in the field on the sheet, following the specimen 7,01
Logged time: 3,02
